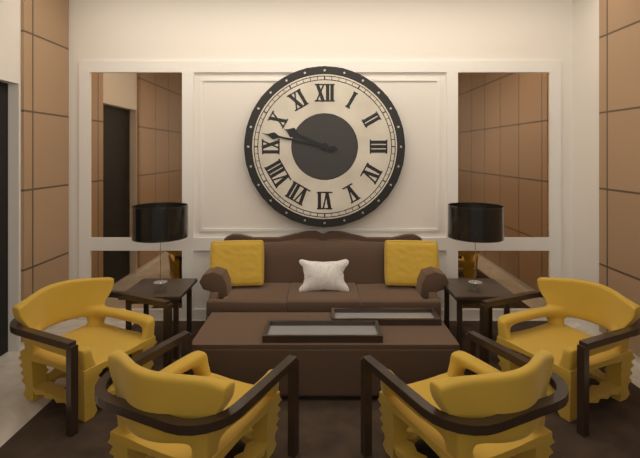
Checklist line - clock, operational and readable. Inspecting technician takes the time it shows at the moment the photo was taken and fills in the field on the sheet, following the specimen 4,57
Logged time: 9,47
